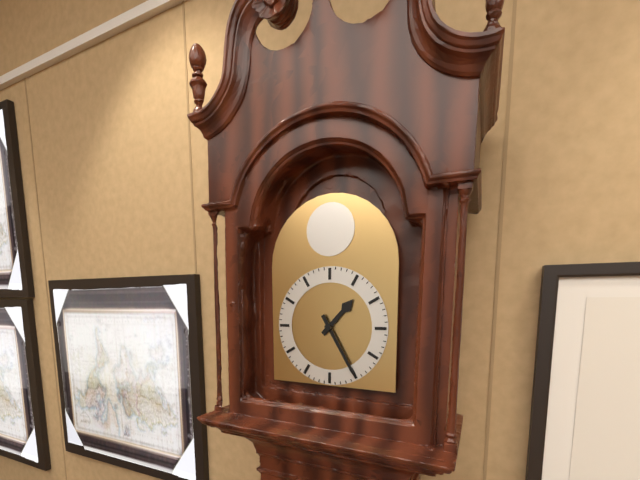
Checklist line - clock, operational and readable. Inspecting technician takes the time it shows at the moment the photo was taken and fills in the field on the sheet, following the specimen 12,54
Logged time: 1,25
